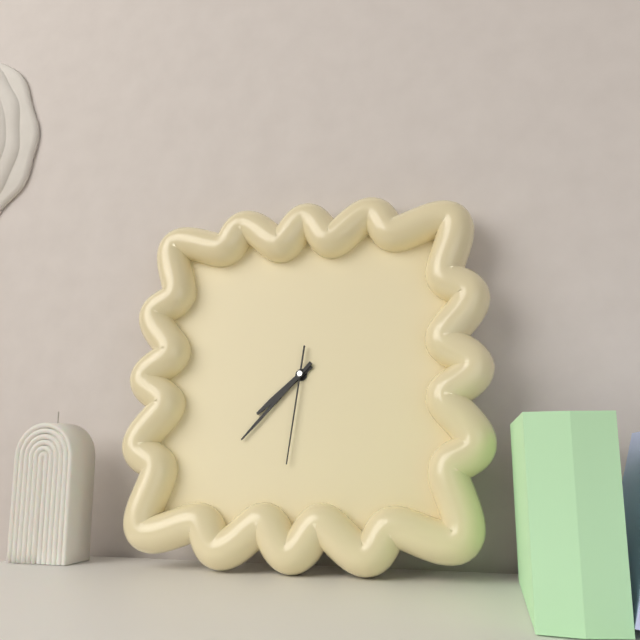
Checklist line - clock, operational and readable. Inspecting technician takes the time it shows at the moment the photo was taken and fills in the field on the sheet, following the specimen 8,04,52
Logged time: 7,37,31
